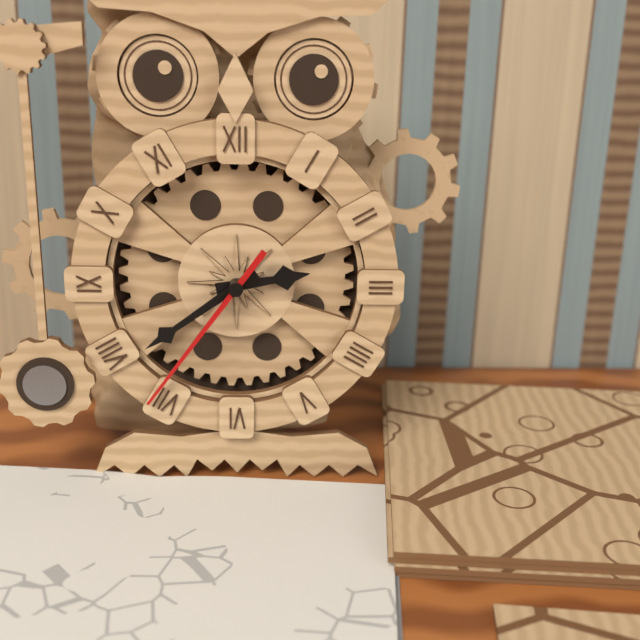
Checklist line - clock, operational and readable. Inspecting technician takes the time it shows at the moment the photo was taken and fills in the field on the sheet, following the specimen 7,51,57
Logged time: 2,39,36
